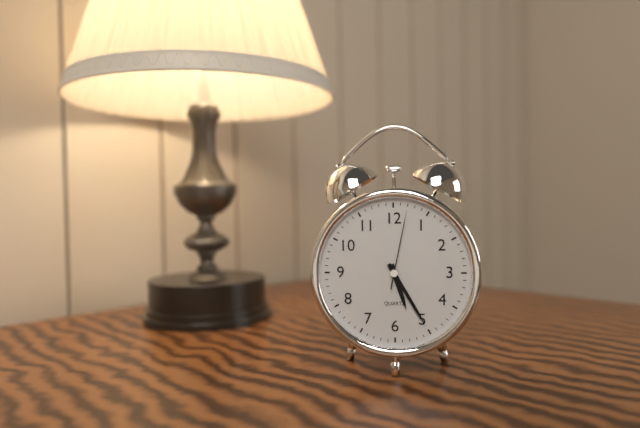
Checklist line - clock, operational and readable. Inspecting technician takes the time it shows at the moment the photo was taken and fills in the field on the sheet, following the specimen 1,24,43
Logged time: 5,25,02
